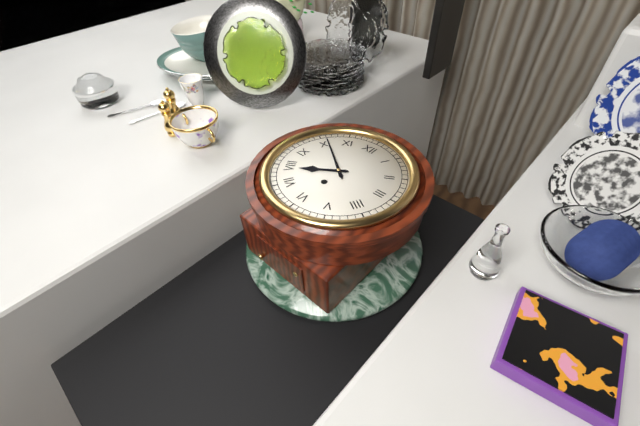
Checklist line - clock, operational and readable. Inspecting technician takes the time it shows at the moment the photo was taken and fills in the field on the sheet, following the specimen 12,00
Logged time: 7,51
